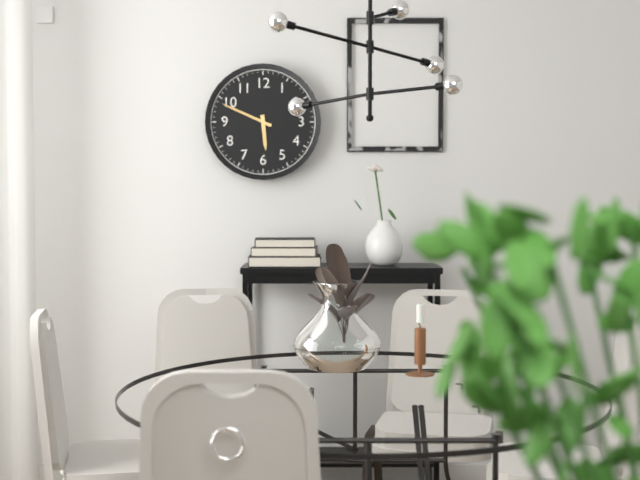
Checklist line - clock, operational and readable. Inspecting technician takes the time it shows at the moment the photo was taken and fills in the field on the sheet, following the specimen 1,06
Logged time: 5,49
